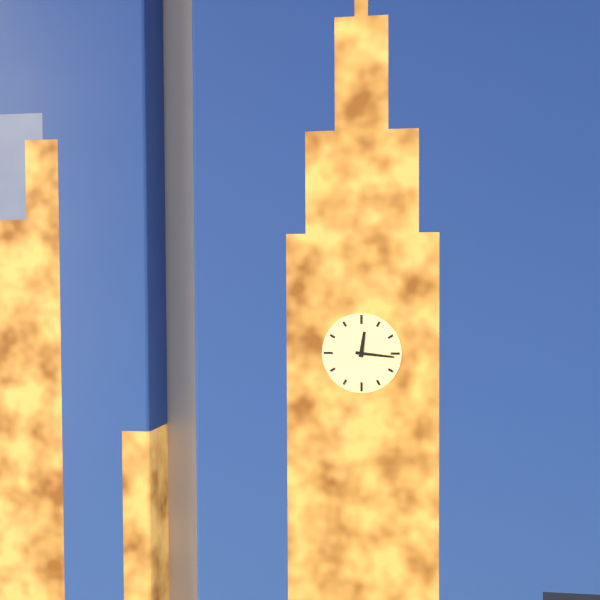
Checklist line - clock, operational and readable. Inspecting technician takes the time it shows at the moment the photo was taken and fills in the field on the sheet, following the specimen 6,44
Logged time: 12,16
